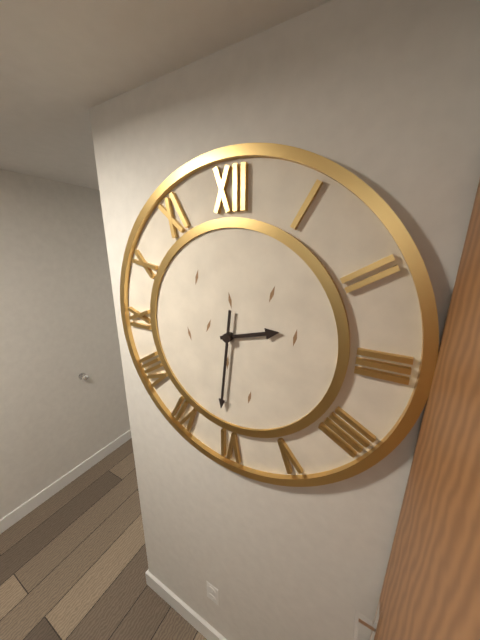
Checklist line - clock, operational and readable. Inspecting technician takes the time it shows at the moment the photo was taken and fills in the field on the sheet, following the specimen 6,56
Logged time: 2,31
